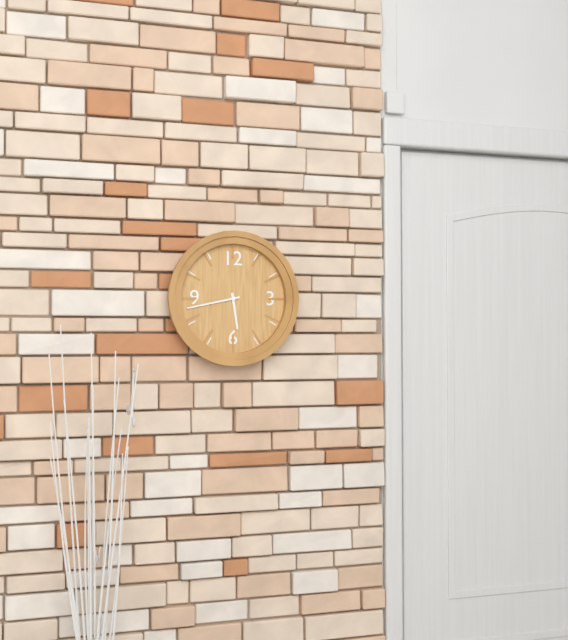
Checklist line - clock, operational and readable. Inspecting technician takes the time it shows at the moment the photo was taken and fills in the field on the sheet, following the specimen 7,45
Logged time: 5,43
